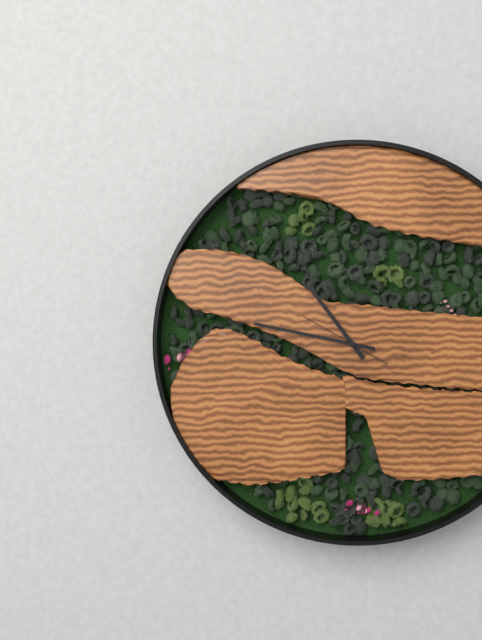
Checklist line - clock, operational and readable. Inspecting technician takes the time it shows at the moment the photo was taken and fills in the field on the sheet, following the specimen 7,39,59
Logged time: 10,47,50
